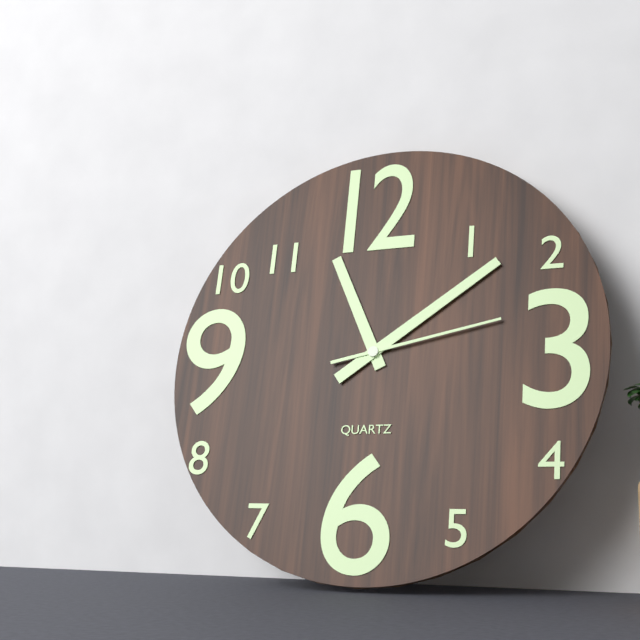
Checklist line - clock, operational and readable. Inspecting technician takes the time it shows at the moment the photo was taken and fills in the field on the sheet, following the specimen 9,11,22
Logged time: 11,09,13
